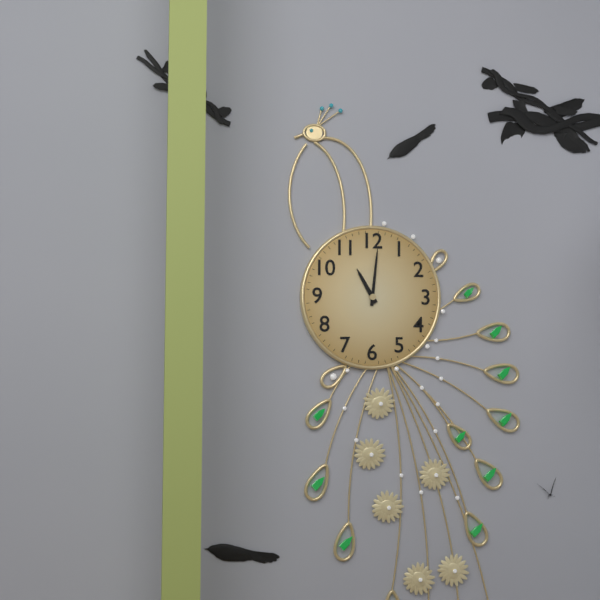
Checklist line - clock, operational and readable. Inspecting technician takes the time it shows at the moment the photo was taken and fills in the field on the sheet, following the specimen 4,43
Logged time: 11,01
